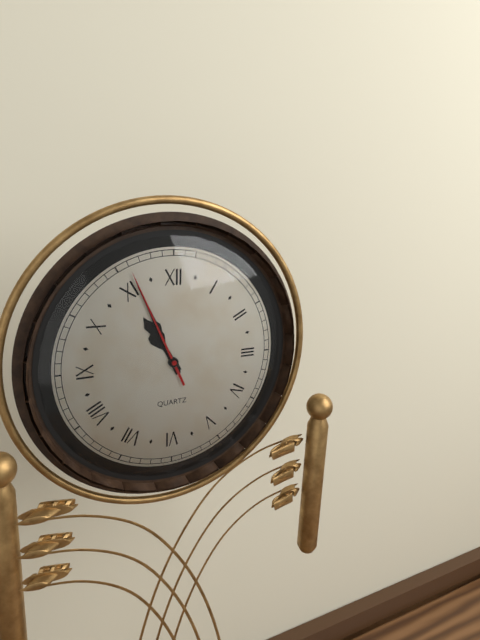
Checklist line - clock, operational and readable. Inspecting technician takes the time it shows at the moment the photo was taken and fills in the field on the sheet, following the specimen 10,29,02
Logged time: 10,56,56
